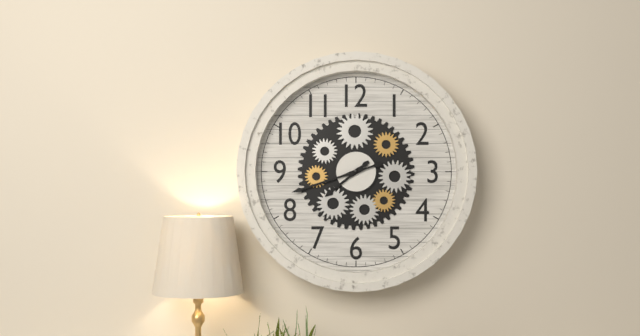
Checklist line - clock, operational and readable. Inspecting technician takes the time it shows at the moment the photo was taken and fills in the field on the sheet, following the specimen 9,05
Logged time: 7,42
